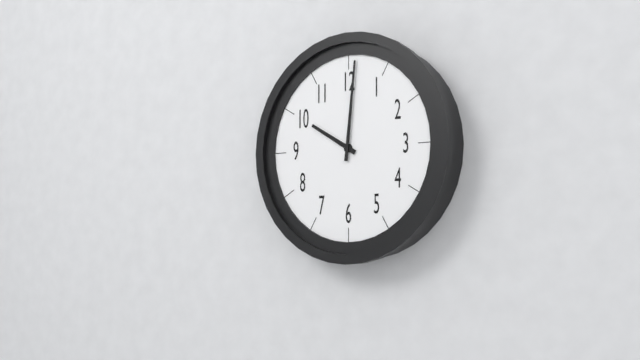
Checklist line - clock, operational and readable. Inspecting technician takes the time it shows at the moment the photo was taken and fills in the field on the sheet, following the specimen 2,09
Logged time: 10,01
